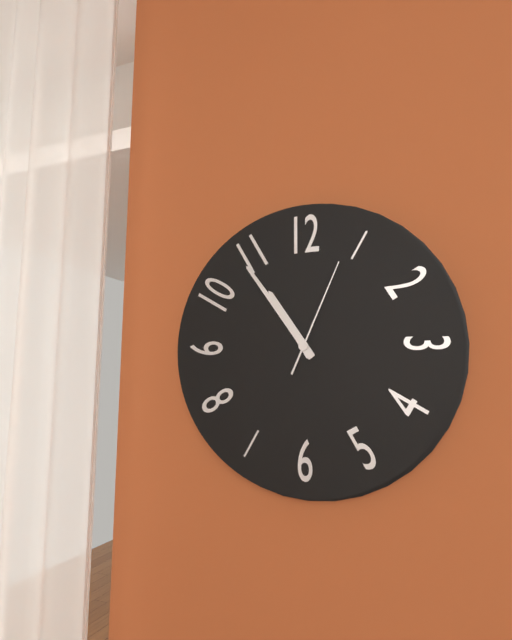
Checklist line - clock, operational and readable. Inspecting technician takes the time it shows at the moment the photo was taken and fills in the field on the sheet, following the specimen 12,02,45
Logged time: 10,54,04
